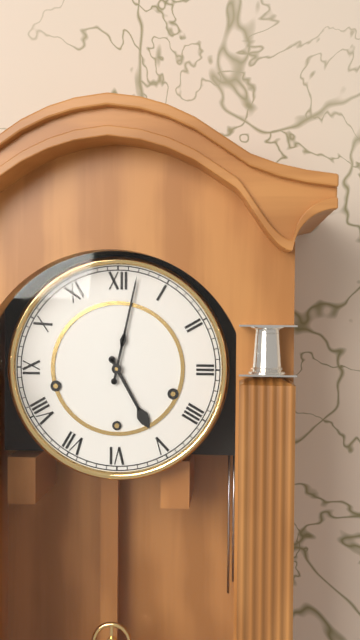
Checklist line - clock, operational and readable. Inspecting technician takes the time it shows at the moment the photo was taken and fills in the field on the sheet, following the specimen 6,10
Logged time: 5,02
